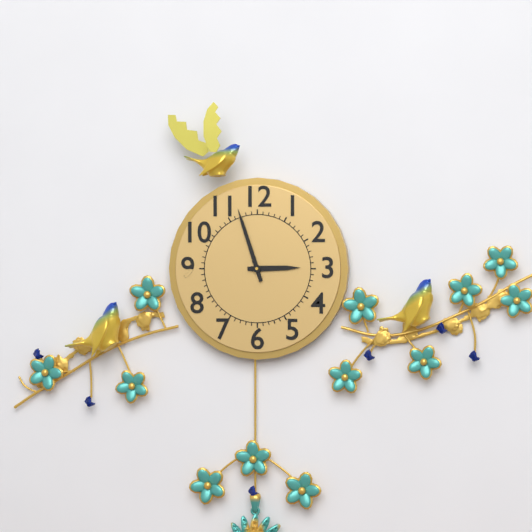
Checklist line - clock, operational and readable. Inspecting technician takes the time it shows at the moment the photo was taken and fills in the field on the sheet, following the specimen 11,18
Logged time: 2,57
